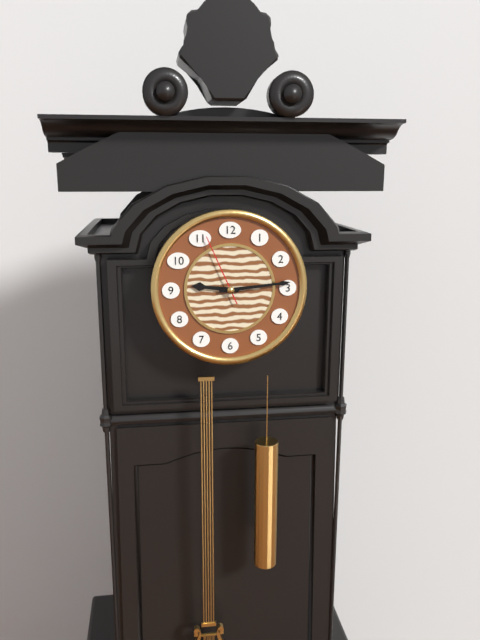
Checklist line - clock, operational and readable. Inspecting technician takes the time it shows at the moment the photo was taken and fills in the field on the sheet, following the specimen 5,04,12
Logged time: 9,14,56
